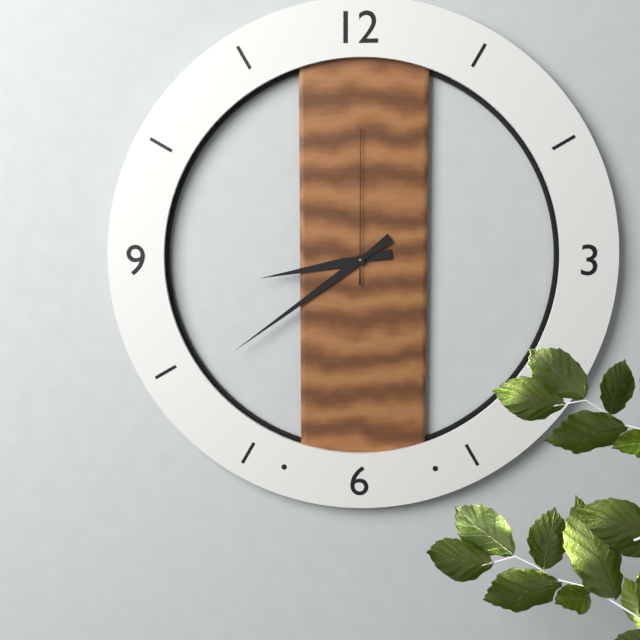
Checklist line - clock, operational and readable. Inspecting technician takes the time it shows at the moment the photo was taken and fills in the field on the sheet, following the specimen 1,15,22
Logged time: 8,39,00
